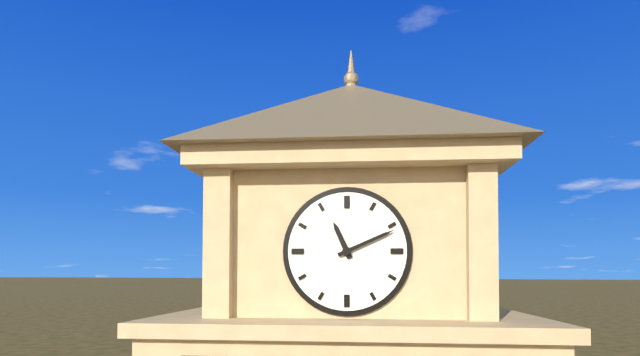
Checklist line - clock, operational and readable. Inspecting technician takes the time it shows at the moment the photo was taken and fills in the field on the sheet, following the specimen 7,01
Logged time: 11,11
